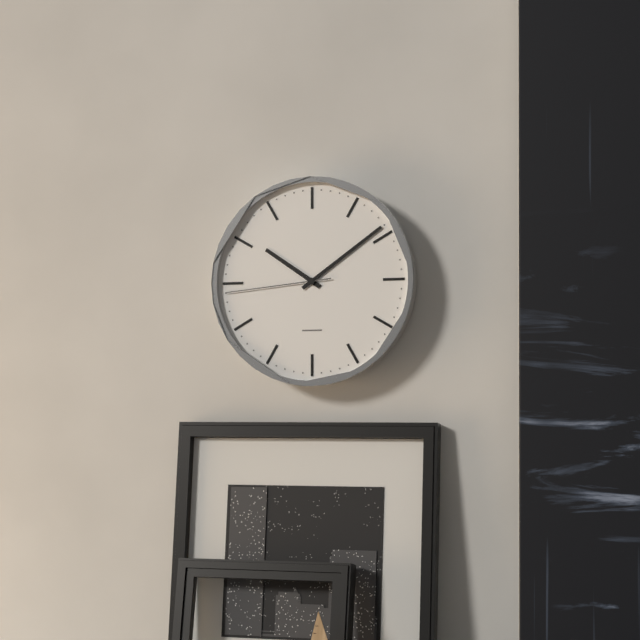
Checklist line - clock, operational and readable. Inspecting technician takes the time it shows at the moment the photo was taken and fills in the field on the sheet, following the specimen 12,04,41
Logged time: 10,09,44
